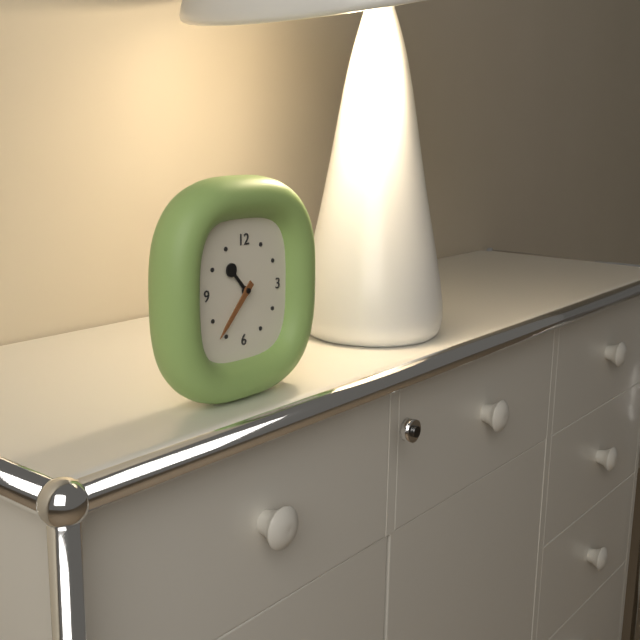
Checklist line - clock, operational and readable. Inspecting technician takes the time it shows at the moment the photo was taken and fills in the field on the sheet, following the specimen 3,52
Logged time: 10,37
